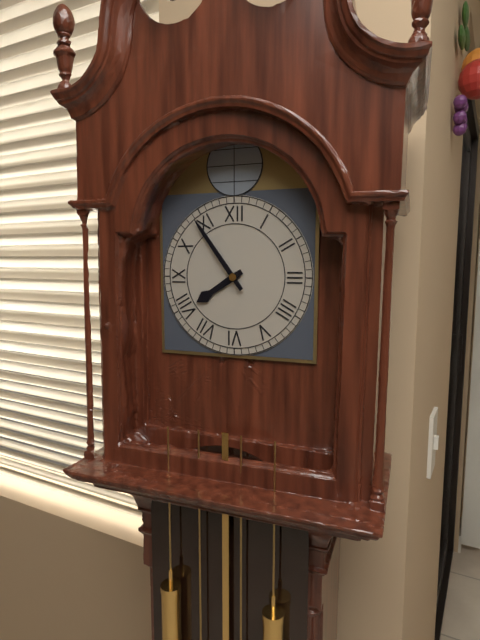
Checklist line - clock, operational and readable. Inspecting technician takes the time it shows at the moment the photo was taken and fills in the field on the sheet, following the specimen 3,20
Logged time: 7,54
